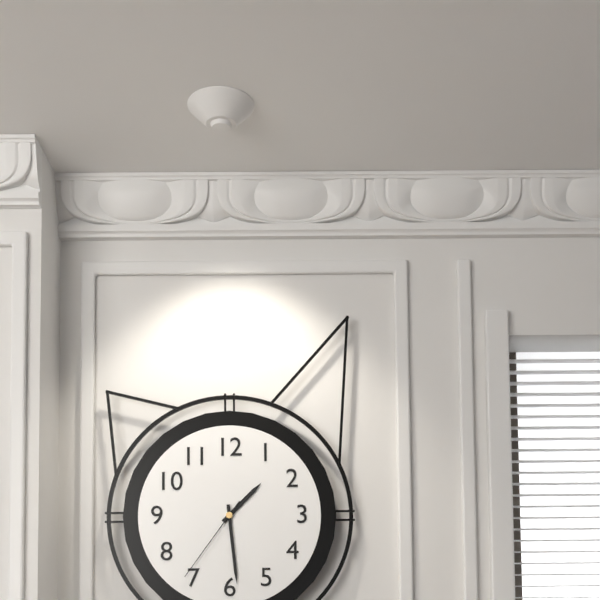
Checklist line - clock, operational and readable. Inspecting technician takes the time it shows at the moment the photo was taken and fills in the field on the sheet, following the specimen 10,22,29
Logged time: 1,29,36
